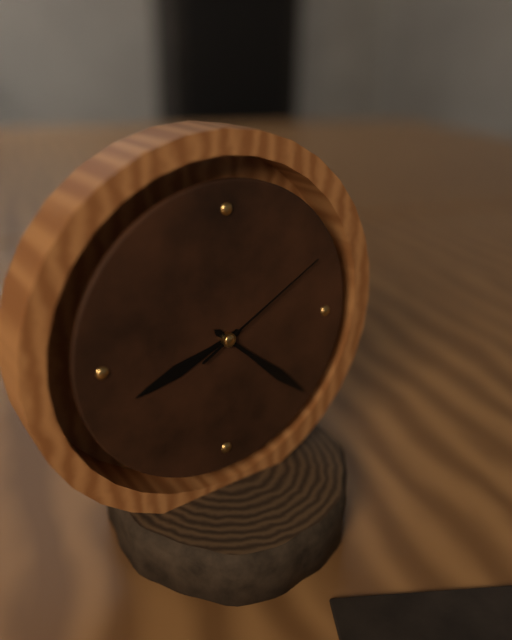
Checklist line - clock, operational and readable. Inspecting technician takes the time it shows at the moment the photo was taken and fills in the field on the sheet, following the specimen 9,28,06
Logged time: 8,22,10
